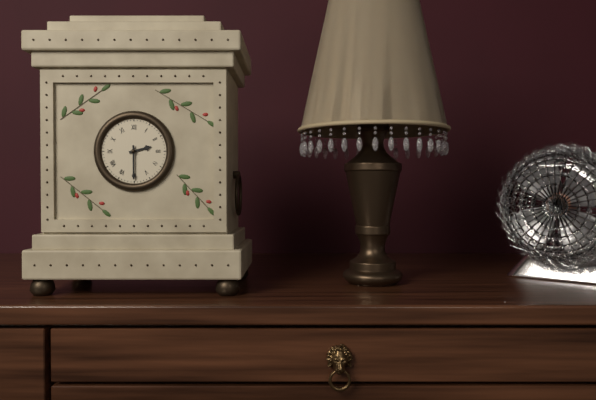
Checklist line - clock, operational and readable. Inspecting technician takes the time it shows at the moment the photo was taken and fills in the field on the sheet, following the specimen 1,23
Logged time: 2,30
